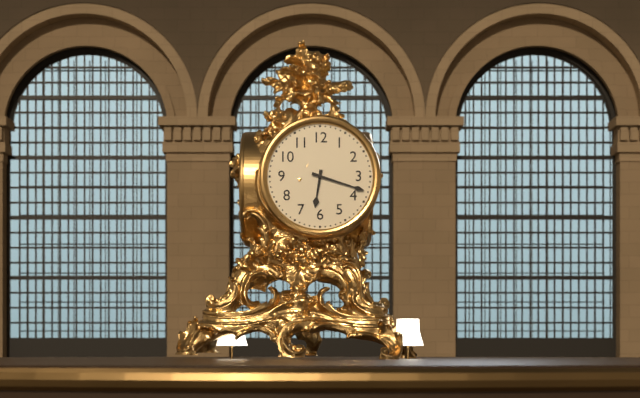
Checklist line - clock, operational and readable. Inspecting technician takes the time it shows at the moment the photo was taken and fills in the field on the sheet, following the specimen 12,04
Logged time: 6,18
